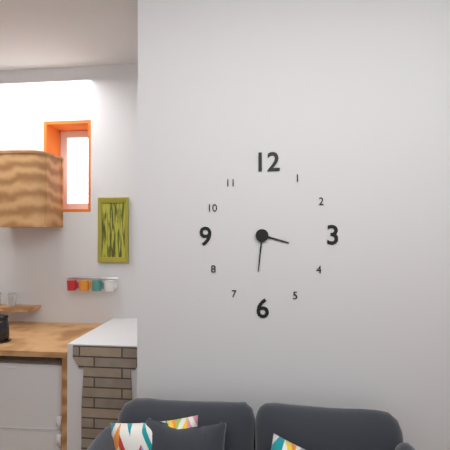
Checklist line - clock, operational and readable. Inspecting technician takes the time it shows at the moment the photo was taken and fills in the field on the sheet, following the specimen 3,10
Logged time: 3,31
